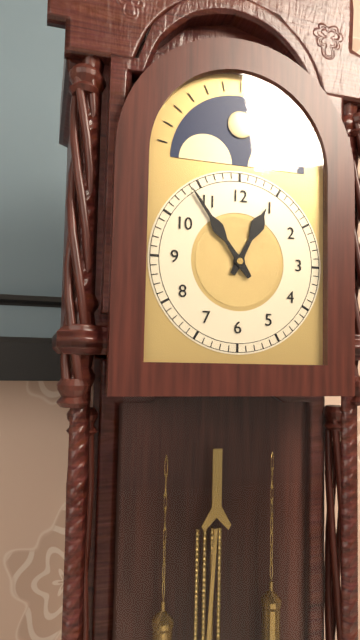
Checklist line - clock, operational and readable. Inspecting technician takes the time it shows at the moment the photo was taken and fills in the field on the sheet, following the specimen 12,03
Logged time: 12,54
